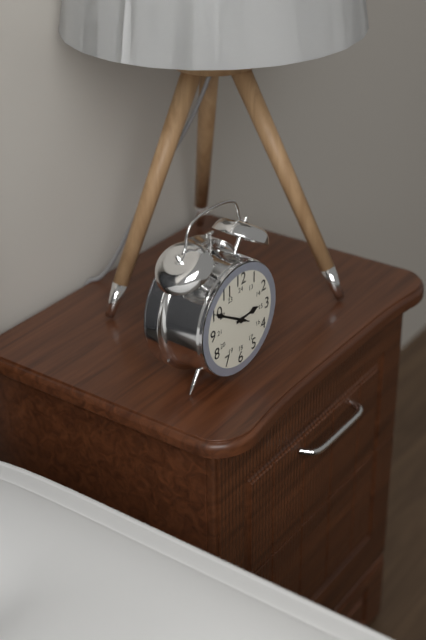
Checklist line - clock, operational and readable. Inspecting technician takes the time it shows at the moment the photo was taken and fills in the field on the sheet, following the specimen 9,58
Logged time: 2,50
